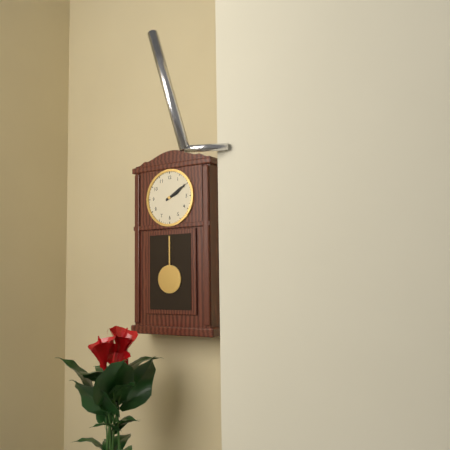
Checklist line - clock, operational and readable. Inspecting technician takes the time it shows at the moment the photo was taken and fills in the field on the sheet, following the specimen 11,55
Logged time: 2,10
